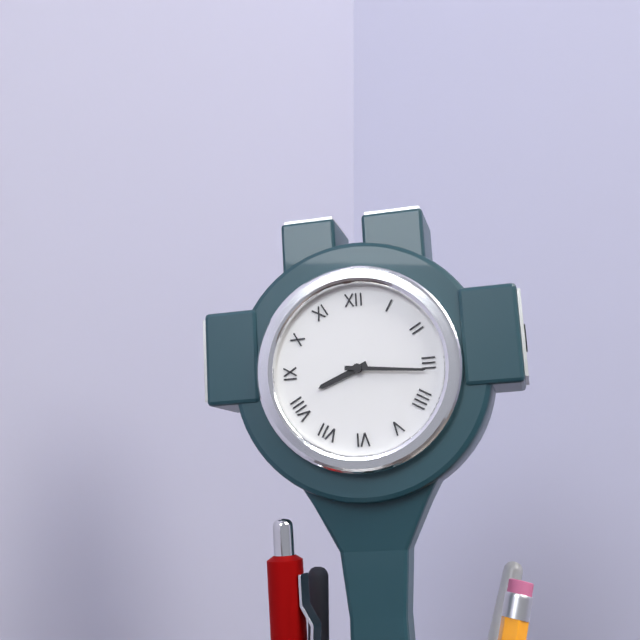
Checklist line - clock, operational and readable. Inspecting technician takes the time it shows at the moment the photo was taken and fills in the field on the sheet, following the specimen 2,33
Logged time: 8,16
